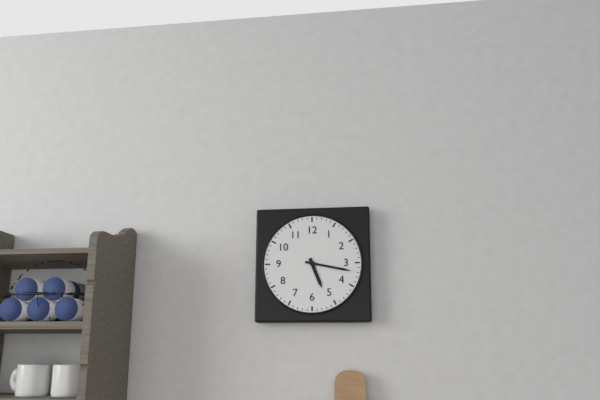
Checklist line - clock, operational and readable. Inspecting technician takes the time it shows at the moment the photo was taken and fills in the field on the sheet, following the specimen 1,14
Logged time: 5,17
